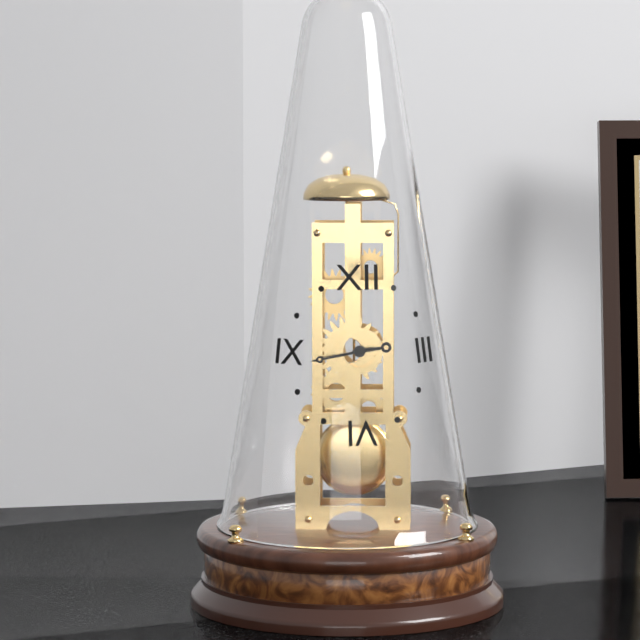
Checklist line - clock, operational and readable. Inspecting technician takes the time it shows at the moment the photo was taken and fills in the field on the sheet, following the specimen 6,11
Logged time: 2,43
